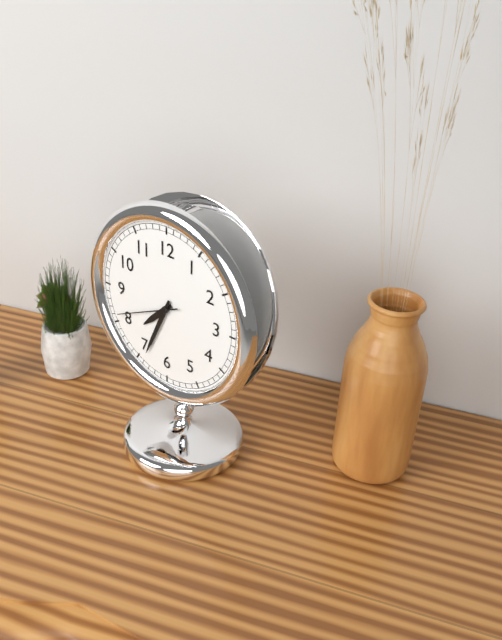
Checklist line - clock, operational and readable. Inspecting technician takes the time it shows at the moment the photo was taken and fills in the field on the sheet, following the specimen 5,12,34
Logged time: 7,34,41
